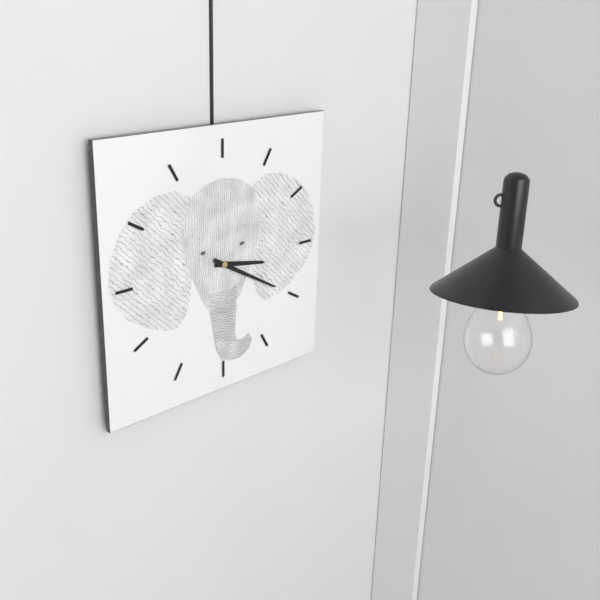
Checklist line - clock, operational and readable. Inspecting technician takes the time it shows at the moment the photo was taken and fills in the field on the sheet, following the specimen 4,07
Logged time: 3,20
